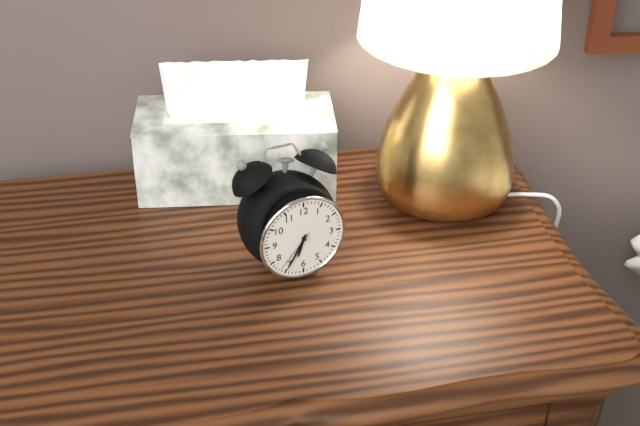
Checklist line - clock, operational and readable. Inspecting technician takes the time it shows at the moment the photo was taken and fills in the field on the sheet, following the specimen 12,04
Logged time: 6,35
